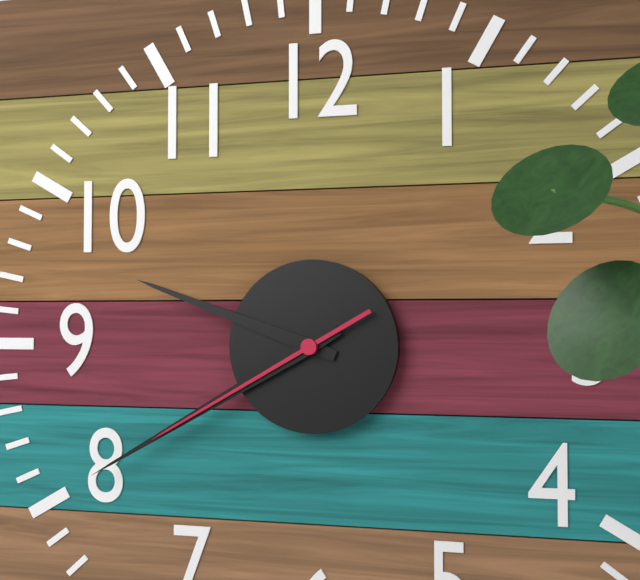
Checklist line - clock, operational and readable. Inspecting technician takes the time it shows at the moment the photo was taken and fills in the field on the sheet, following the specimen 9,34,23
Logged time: 9,40,40
